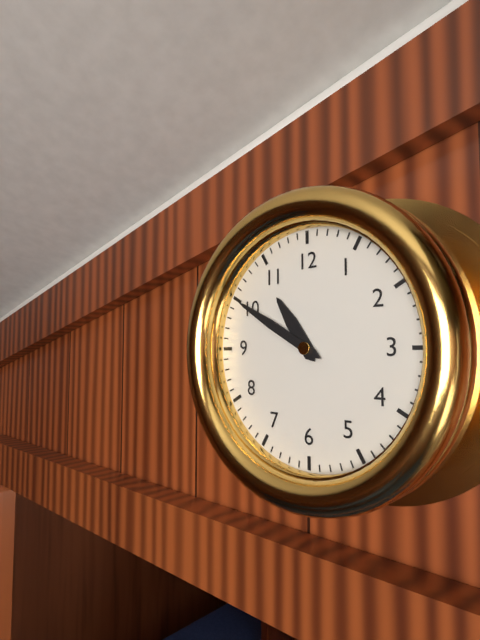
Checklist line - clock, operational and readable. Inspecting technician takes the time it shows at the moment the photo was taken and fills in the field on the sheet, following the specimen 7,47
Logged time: 10,50
